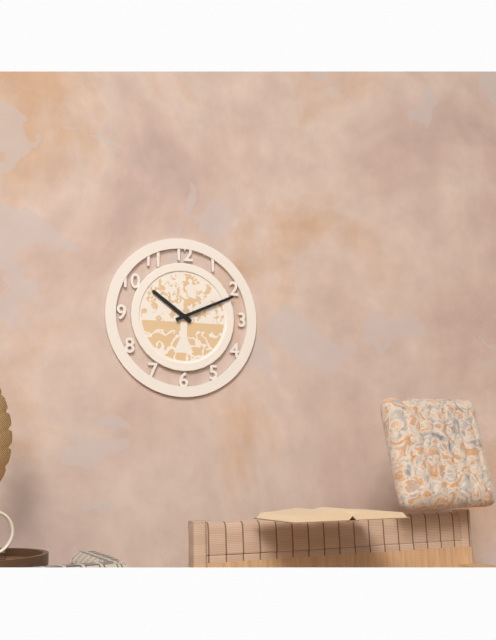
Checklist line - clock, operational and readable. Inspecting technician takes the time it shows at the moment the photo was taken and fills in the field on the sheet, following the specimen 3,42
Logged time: 10,11
